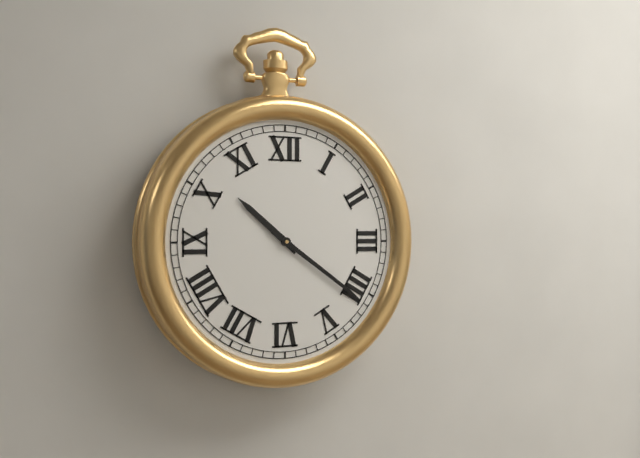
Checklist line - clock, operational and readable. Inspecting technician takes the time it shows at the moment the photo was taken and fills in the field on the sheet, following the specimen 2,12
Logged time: 10,21
